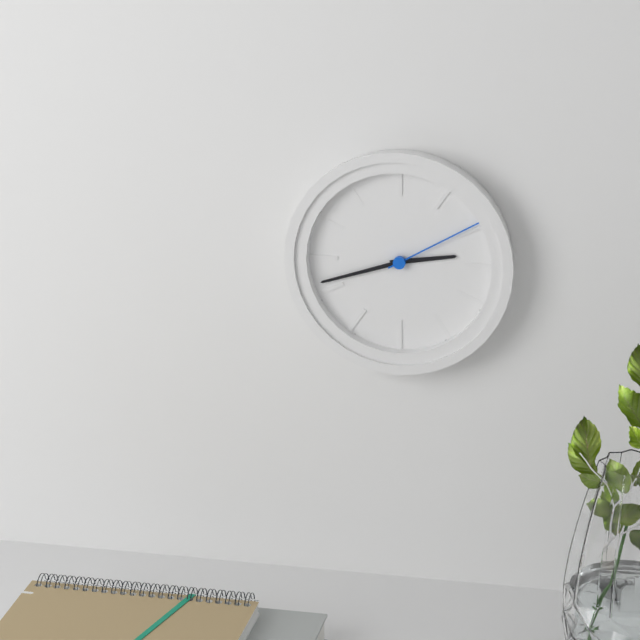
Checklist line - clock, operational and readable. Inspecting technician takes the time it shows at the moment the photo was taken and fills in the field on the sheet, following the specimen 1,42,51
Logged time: 2,42,10
